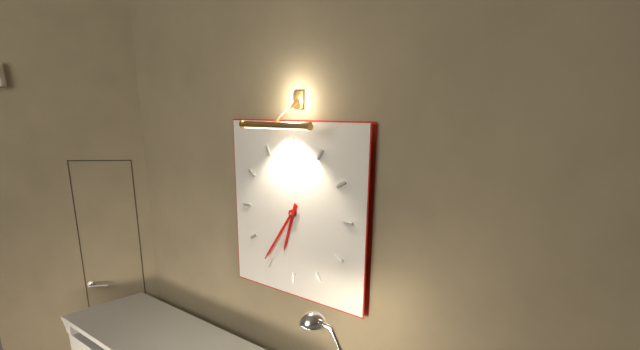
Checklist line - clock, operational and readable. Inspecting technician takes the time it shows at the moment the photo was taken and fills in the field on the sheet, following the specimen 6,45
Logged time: 6,36
